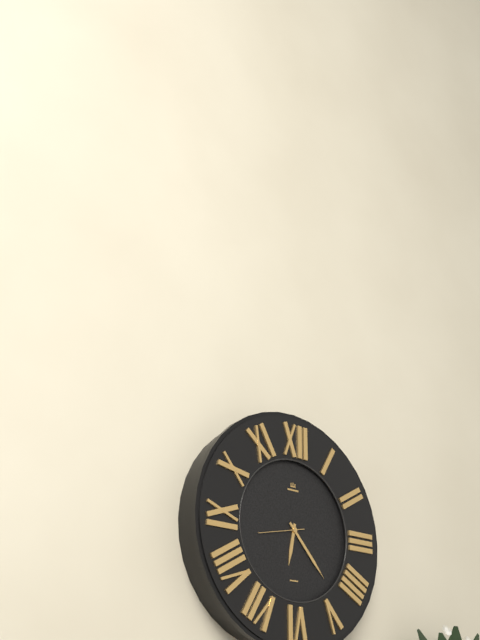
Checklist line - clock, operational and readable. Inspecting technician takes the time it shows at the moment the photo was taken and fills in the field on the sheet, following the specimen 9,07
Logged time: 6,23
